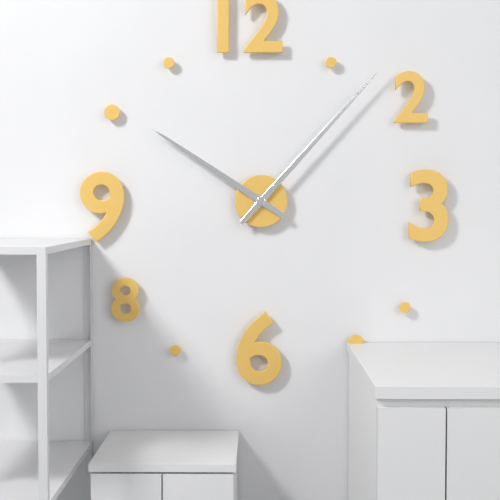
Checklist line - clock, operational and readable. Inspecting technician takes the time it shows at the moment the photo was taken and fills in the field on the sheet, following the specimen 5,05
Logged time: 10,07
